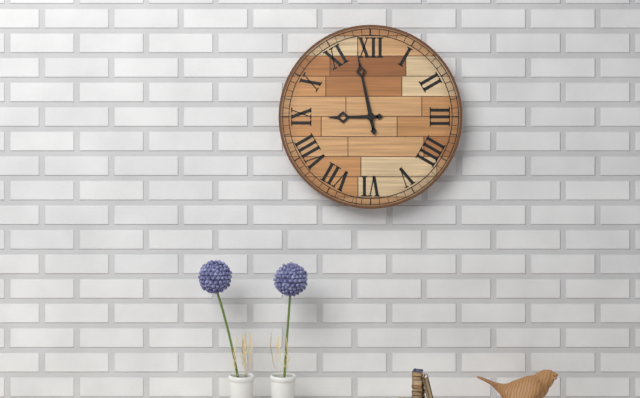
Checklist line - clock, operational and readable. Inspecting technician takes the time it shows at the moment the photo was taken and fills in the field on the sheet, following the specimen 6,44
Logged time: 8,58
